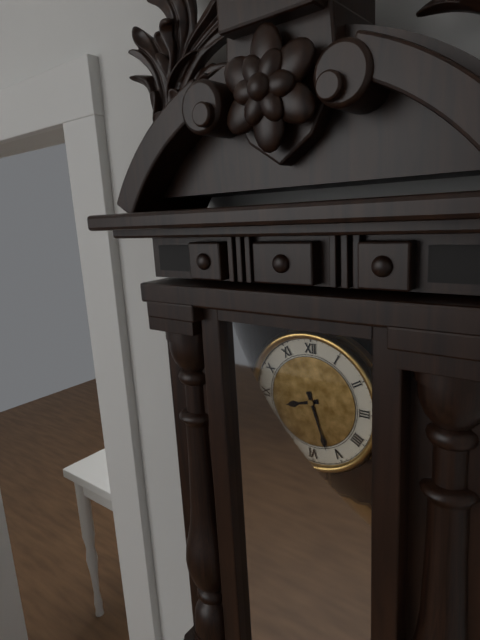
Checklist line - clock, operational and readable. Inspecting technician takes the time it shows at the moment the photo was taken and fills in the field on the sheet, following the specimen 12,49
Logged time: 8,27
